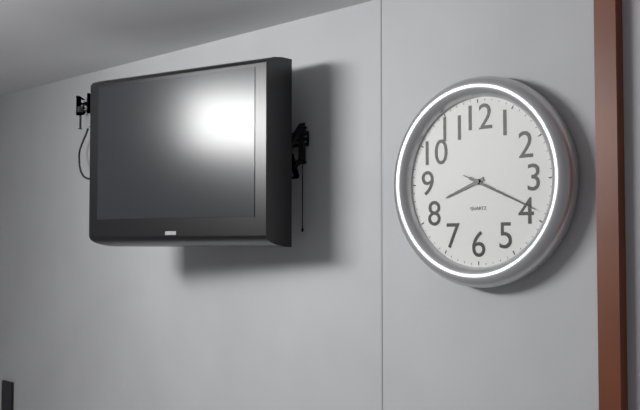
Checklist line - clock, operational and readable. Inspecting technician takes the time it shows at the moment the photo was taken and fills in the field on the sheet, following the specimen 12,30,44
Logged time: 8,19,19
